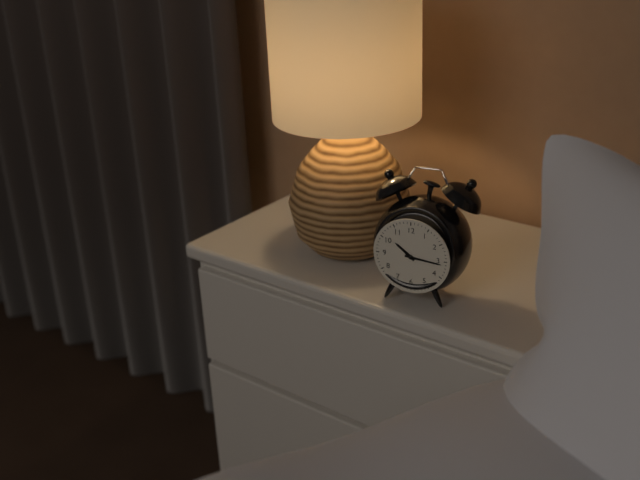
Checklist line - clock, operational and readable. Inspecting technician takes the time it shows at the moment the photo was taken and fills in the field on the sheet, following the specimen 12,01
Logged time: 10,16
